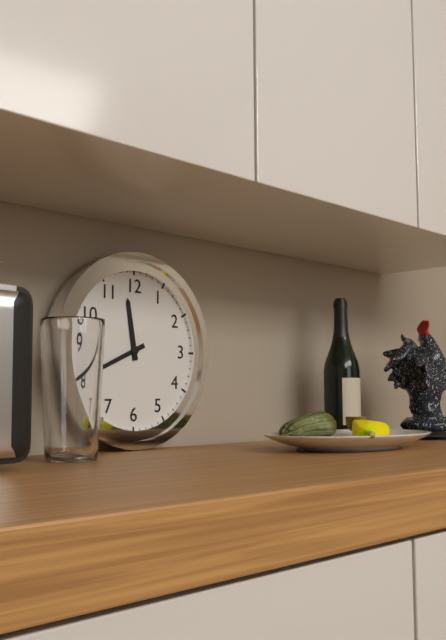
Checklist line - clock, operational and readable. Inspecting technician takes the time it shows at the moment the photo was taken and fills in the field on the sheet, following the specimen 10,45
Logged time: 11,41
